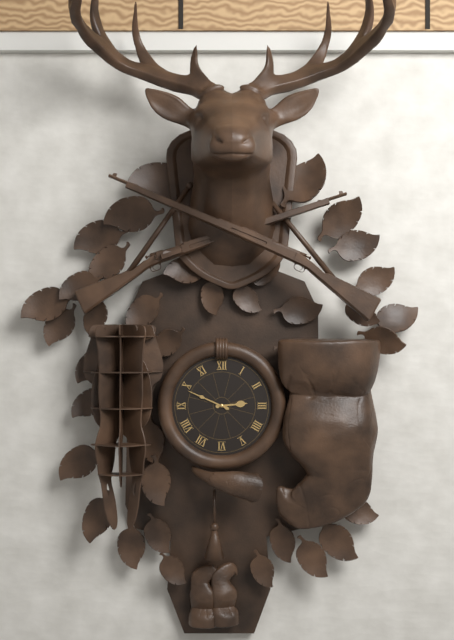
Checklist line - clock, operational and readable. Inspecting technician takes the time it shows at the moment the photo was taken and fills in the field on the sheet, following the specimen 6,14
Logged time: 2,49
